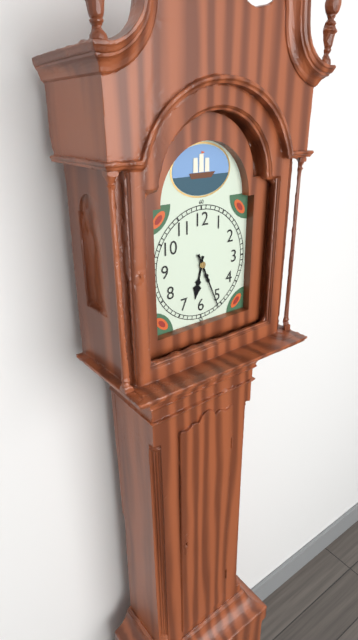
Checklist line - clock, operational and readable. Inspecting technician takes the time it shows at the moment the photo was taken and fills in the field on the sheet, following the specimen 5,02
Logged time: 6,26
